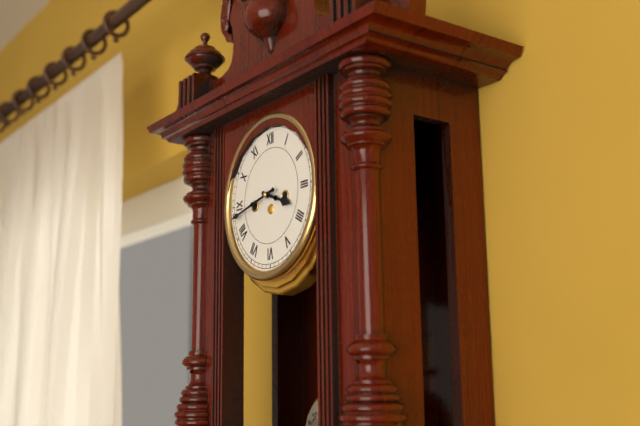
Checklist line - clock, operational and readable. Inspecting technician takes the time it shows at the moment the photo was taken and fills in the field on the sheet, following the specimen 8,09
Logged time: 3,43
